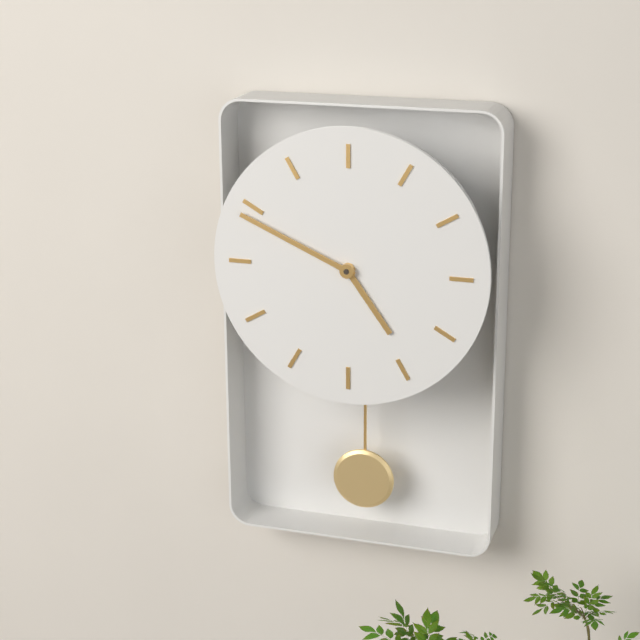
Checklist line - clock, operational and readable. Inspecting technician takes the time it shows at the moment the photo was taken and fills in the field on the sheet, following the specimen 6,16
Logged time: 4,49
